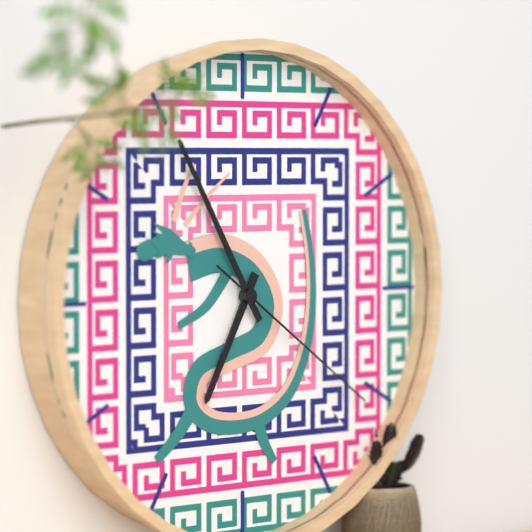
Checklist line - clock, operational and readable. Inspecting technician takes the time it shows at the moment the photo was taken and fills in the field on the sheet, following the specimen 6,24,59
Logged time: 6,55,21
